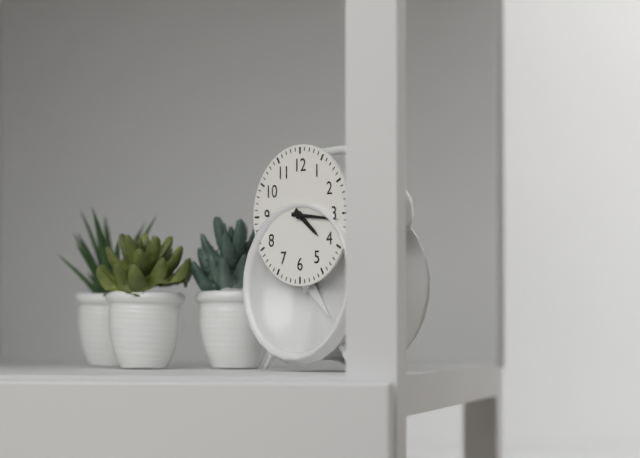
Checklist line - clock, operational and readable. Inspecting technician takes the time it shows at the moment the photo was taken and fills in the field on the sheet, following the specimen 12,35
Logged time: 4,16
